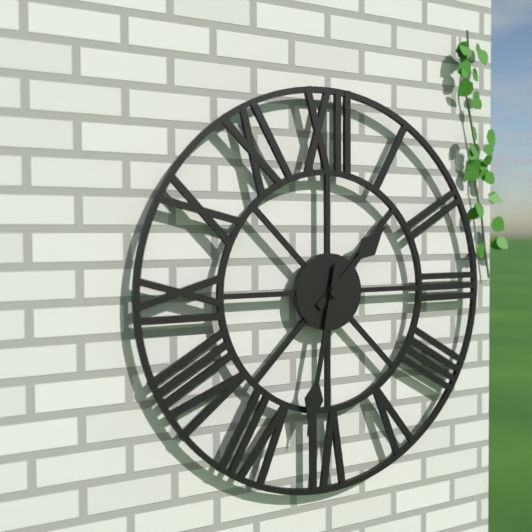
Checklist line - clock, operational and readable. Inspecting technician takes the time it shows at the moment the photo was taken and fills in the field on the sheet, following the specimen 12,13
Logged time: 1,32
